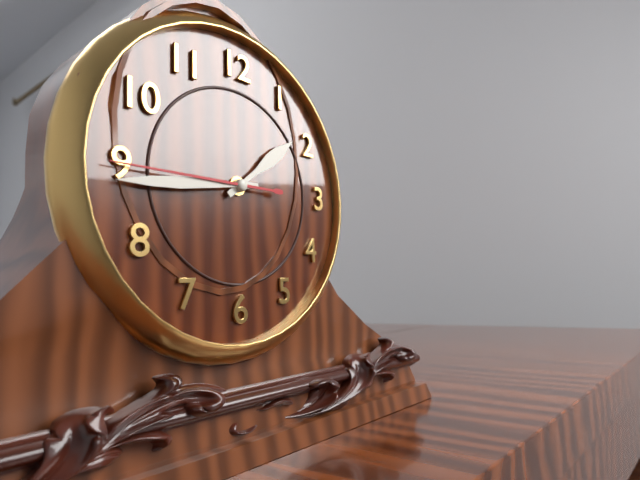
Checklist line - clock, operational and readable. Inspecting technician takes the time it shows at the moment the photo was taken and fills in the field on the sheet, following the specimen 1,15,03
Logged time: 1,44,45
